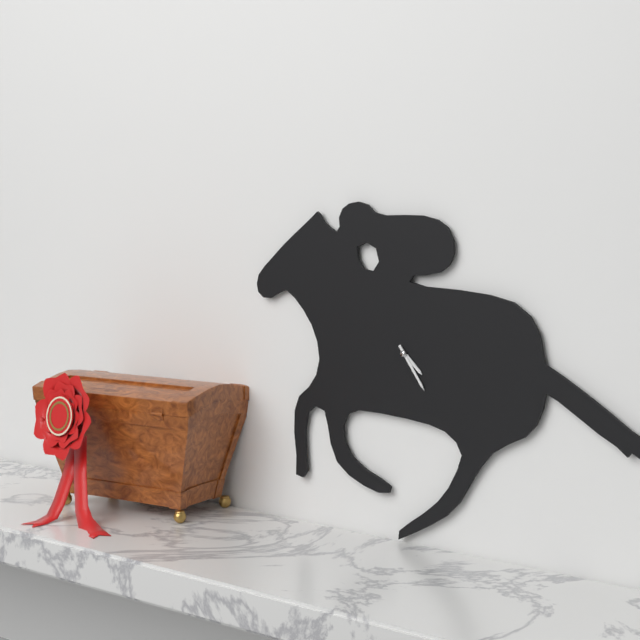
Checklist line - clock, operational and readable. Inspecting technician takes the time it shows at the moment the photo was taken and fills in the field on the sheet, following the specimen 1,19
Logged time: 4,24
